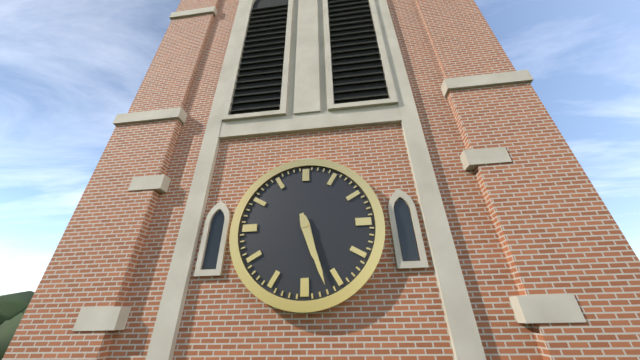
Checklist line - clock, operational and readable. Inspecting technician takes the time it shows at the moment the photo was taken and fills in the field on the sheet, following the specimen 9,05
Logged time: 5,27
